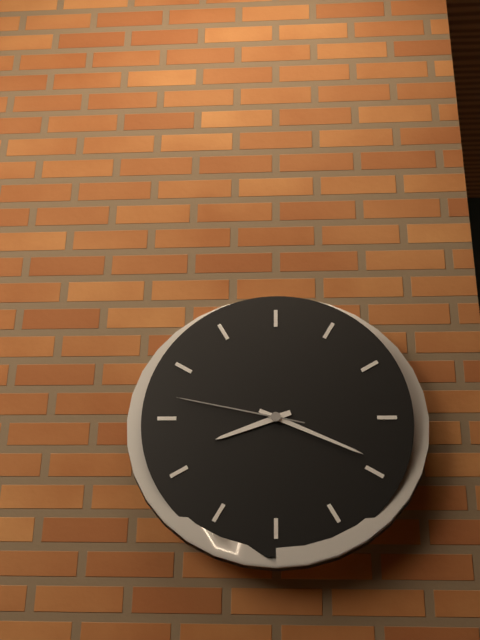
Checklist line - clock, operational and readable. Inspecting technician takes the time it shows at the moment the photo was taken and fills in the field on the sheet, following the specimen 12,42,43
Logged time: 8,19,47
